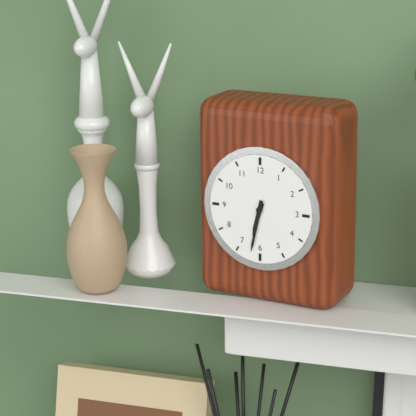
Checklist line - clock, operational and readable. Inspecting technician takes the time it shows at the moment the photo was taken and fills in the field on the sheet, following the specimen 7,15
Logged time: 6,32
